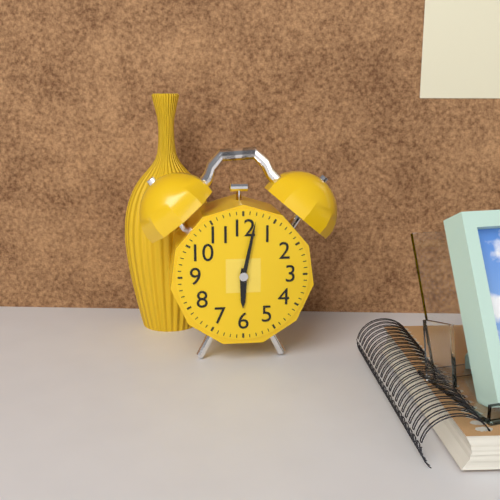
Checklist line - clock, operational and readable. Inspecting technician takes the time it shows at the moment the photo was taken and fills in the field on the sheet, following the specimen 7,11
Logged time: 6,02
